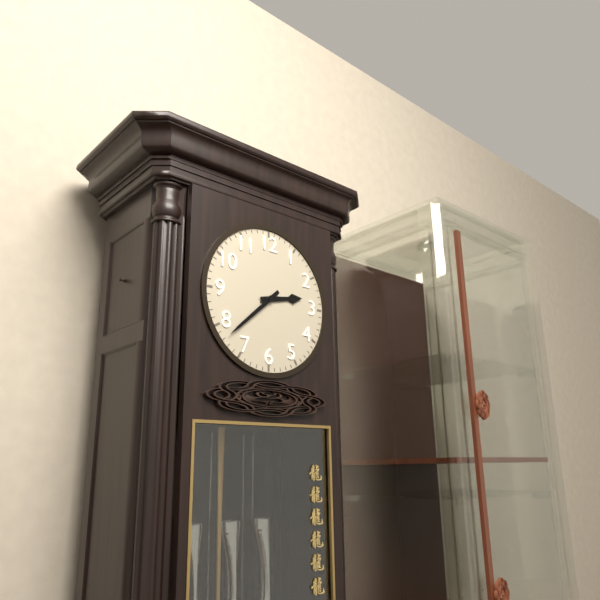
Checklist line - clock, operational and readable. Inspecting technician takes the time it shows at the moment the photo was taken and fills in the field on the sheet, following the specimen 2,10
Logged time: 2,38
